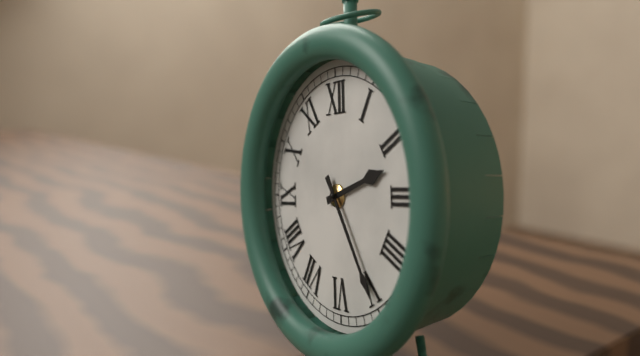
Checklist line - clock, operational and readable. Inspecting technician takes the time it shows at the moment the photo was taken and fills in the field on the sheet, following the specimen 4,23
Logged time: 2,25
